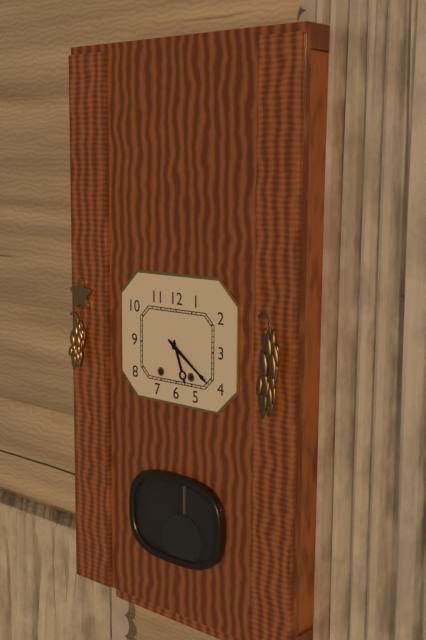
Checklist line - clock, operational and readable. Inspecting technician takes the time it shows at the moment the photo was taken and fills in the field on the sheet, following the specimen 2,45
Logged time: 5,21
